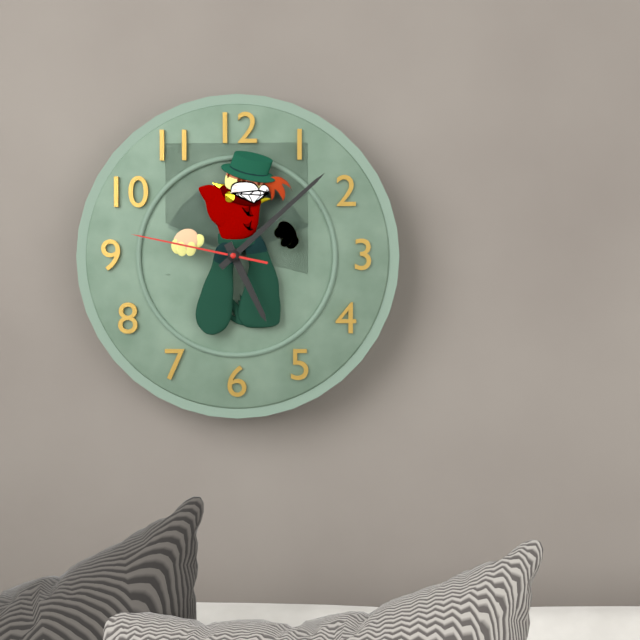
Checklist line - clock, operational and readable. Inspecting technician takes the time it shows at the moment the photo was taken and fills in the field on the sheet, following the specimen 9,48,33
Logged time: 5,08,47
